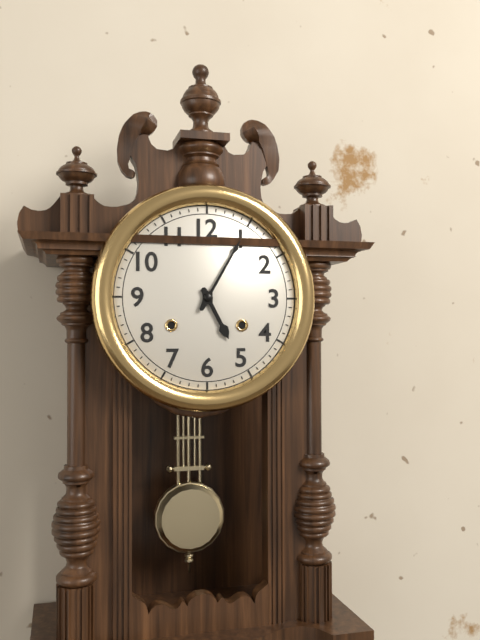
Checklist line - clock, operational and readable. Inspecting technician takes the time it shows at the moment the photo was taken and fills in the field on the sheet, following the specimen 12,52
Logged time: 5,05
